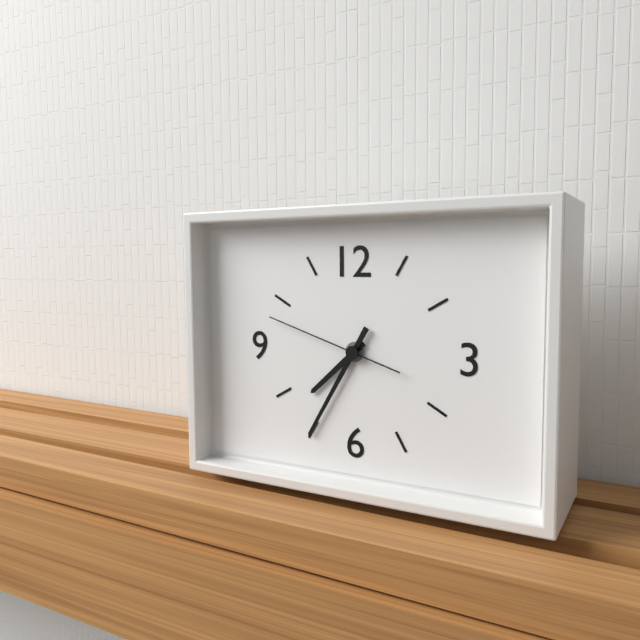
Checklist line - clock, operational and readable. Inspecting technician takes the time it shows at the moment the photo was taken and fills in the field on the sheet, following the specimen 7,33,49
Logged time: 7,35,48
